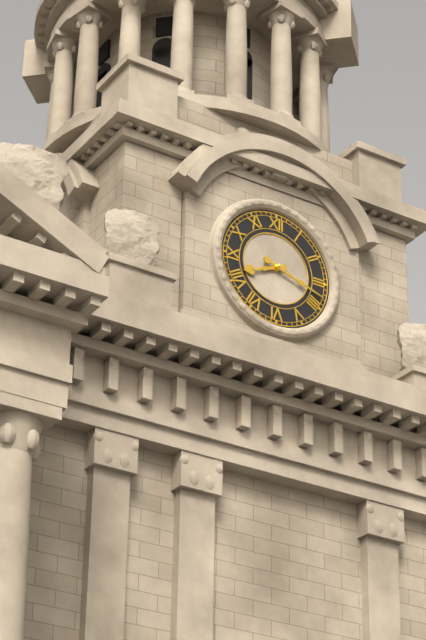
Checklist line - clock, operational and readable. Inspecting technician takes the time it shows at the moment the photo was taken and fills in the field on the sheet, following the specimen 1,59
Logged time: 8,18
